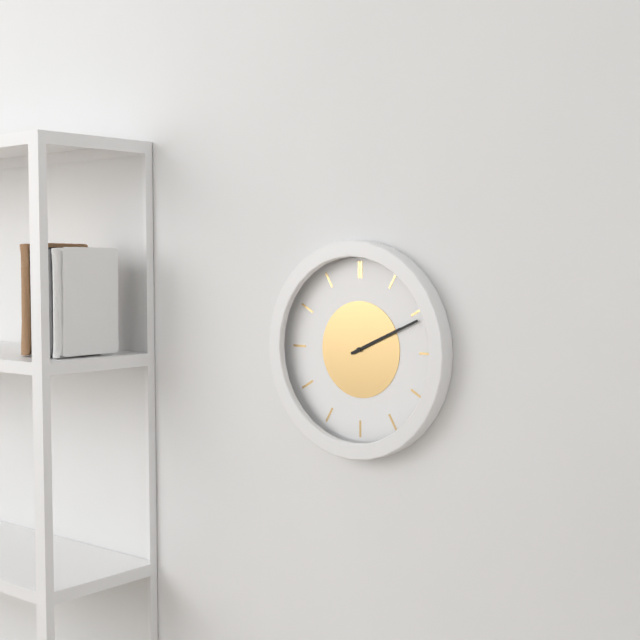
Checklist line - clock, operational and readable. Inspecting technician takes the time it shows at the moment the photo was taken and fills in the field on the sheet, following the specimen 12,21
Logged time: 2,11
